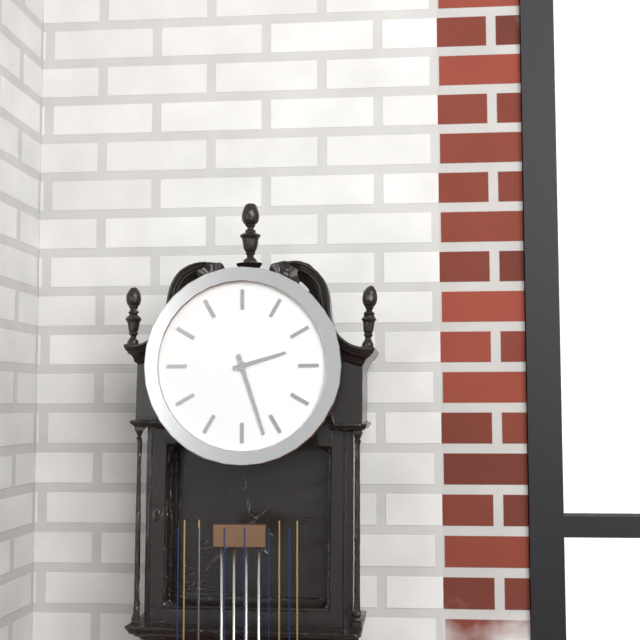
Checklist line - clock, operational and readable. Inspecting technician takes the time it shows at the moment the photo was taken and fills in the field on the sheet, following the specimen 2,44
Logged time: 2,27
